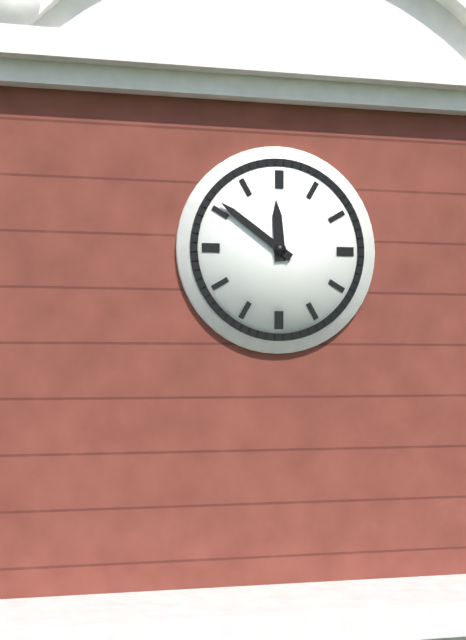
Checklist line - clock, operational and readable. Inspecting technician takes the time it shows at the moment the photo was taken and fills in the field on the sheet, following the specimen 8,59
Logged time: 11,51
